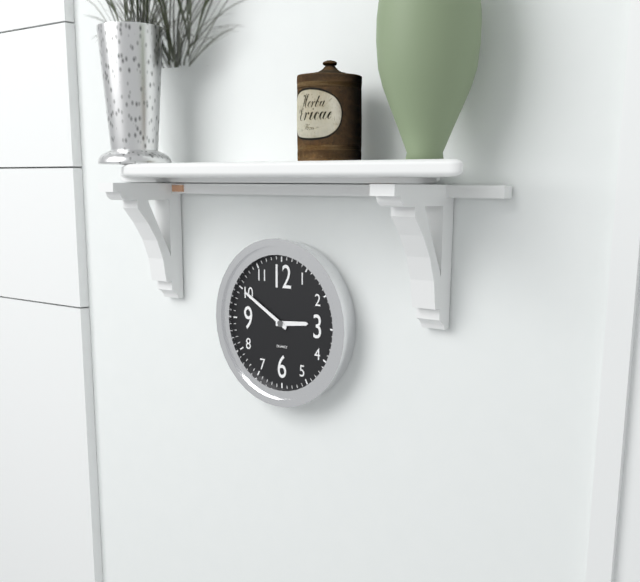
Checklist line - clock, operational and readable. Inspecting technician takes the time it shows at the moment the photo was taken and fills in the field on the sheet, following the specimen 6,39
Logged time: 2,50
